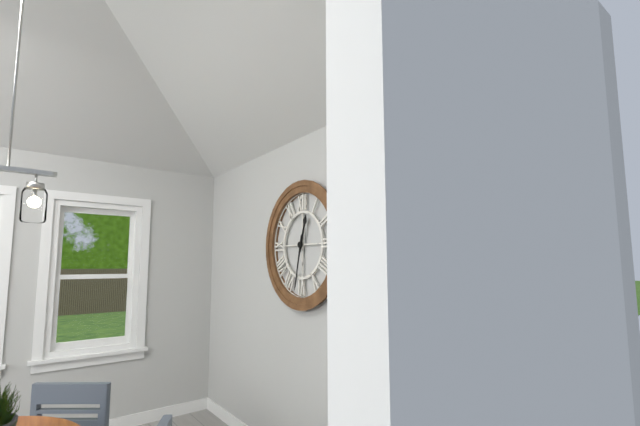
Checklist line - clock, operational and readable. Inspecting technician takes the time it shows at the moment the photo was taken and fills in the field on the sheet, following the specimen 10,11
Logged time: 12,32
